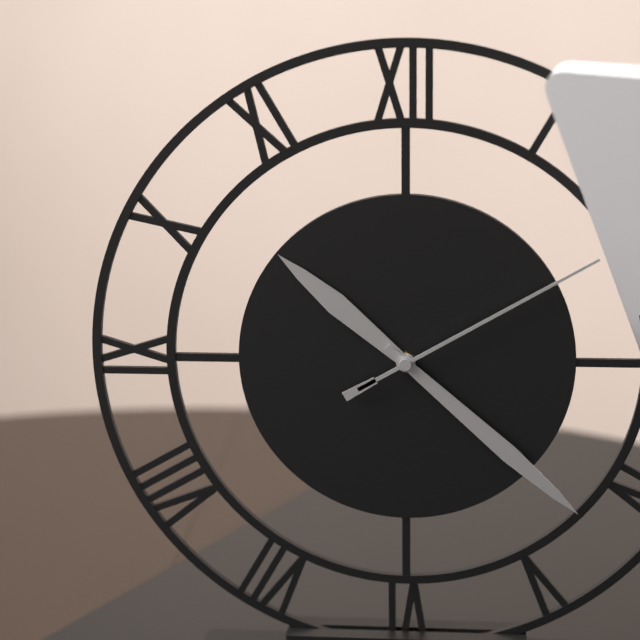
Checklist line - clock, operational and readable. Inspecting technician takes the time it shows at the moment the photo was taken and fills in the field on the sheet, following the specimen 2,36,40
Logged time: 10,22,10
